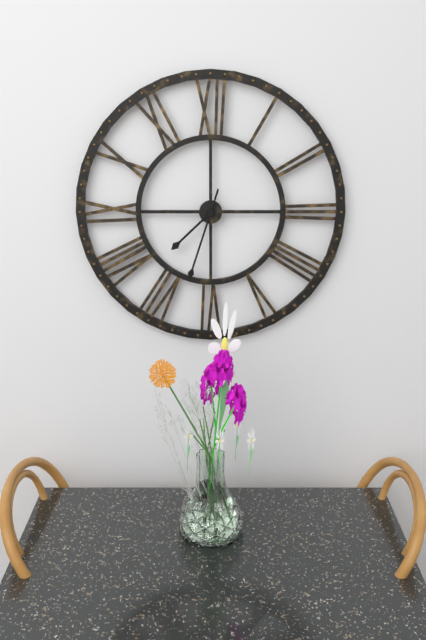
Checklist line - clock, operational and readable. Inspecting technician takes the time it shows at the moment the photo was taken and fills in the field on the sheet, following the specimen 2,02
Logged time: 7,33
